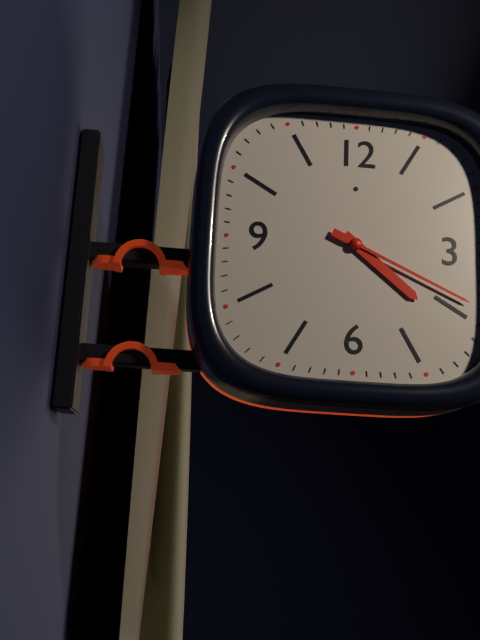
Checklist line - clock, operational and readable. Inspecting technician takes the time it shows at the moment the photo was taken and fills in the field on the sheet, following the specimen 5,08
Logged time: 4,19
